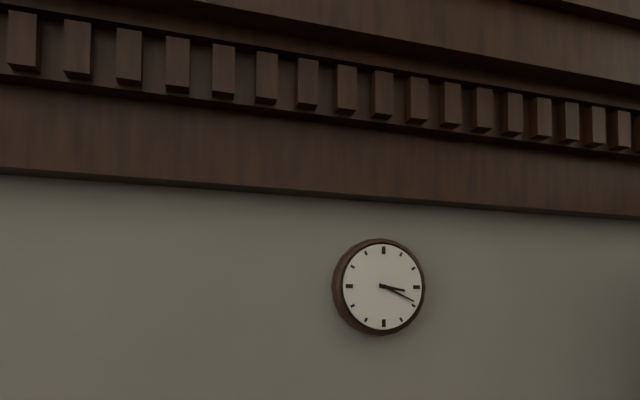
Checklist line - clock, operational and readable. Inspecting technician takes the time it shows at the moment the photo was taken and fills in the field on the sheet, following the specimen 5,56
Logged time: 3,19
